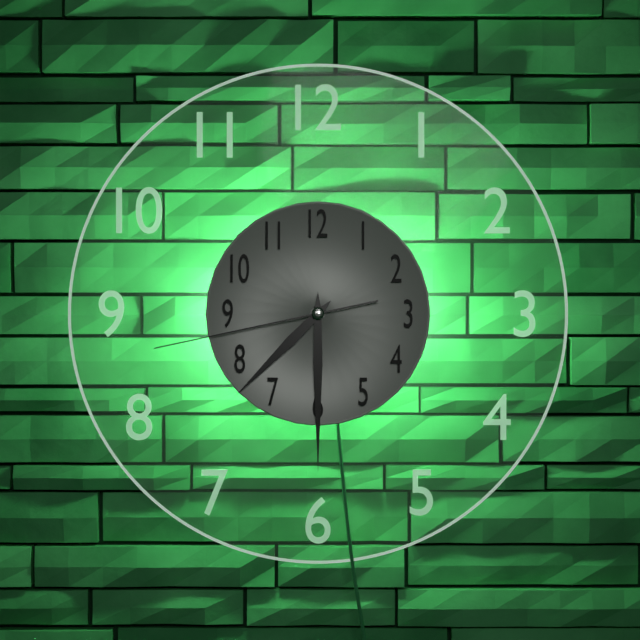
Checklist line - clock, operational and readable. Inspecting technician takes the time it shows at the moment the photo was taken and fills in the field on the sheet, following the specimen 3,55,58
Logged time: 7,30,43
